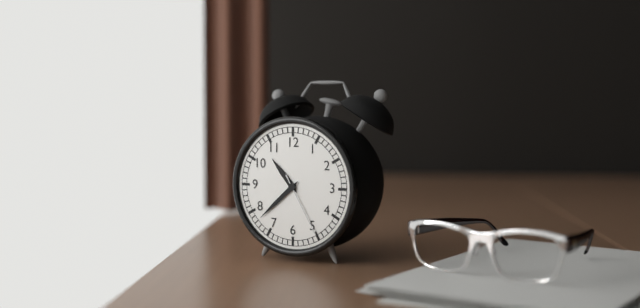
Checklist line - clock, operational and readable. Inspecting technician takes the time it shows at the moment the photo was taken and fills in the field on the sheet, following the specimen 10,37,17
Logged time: 10,38,25
